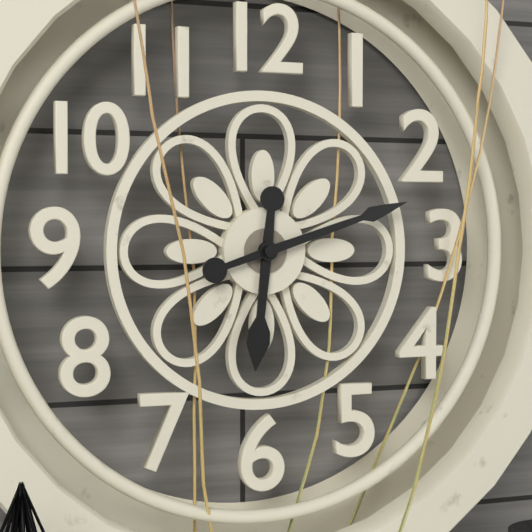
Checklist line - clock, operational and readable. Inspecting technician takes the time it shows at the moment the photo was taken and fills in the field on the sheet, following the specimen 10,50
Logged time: 6,12
